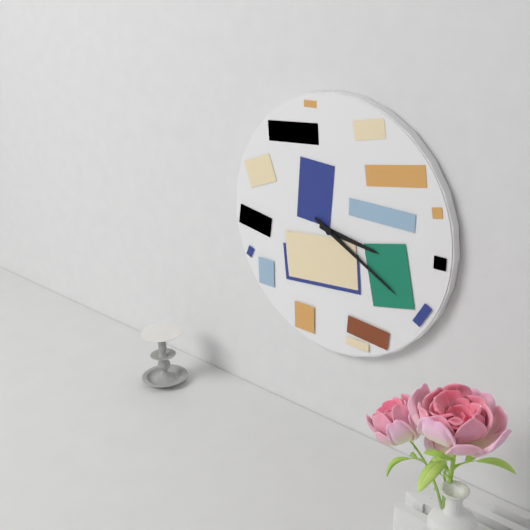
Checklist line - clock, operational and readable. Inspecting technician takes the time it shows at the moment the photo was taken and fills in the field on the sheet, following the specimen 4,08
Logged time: 3,20
